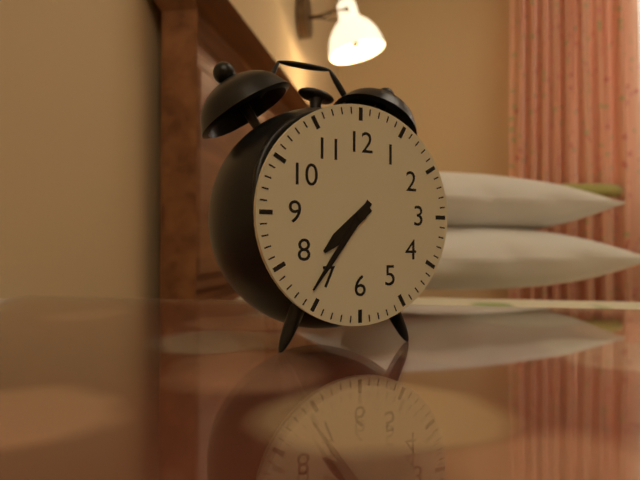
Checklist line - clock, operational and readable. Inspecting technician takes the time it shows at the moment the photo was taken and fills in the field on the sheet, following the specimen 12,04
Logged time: 7,36
